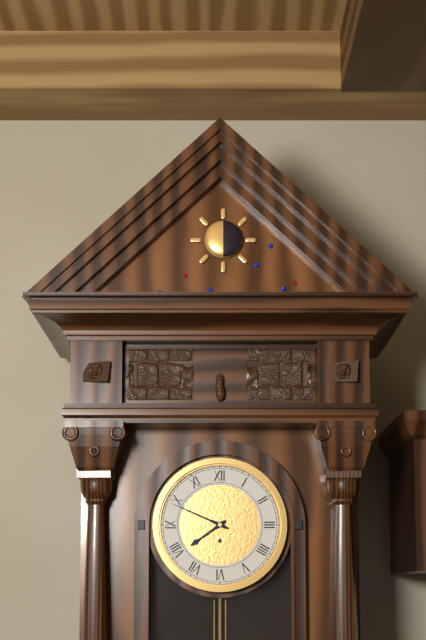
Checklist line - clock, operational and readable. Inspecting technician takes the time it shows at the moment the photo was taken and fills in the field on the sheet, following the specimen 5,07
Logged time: 7,49
